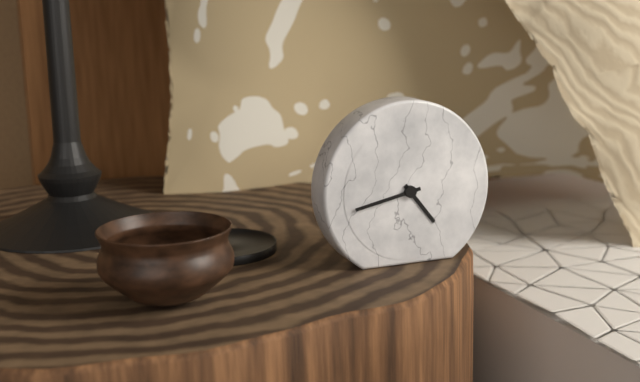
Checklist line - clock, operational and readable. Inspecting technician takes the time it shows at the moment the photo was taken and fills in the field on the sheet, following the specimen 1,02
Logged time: 4,43
